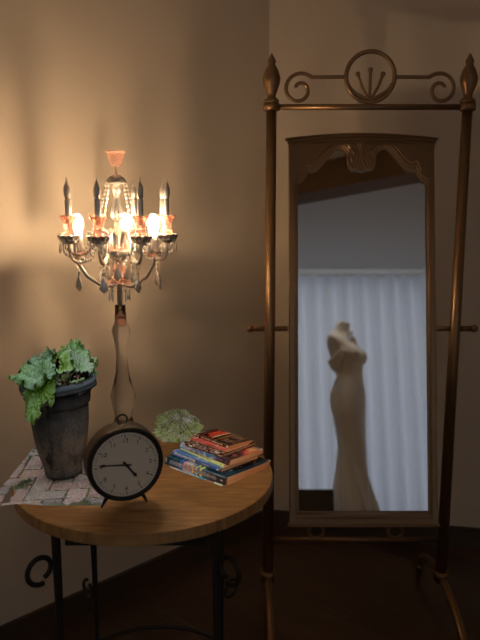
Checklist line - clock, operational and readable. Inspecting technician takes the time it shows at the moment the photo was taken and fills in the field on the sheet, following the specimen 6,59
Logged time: 4,46
